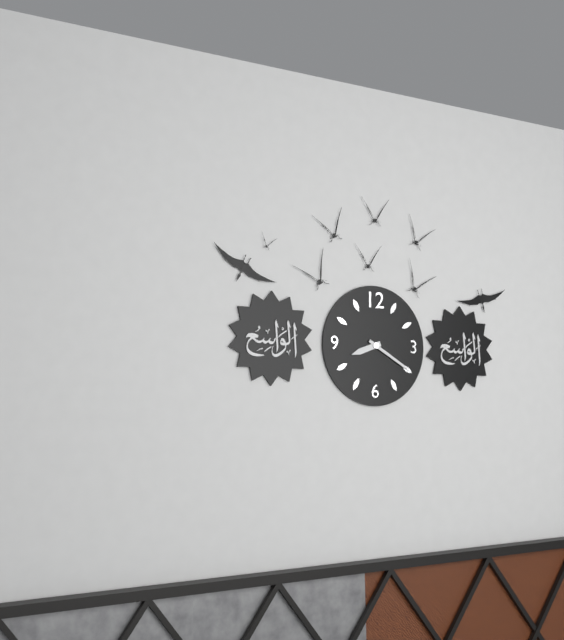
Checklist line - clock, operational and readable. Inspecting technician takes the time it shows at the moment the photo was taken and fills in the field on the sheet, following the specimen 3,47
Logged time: 8,20
